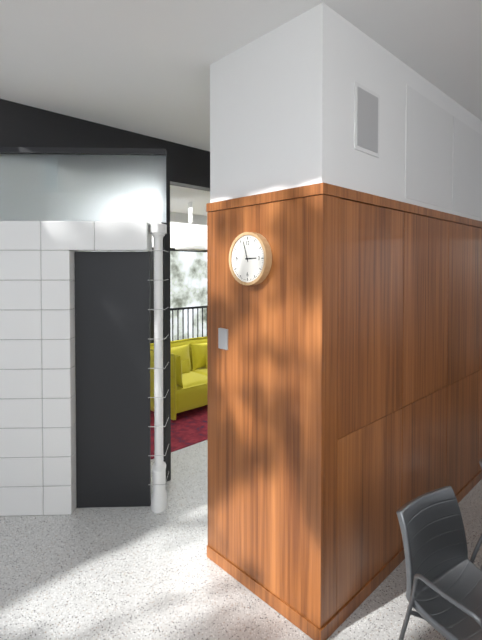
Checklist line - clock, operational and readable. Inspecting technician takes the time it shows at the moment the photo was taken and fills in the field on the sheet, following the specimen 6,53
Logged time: 2,57
